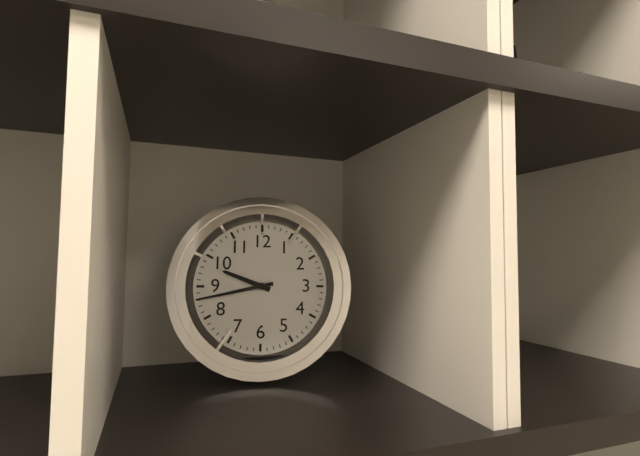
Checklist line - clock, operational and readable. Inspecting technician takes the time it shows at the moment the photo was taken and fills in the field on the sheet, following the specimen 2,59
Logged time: 9,43
